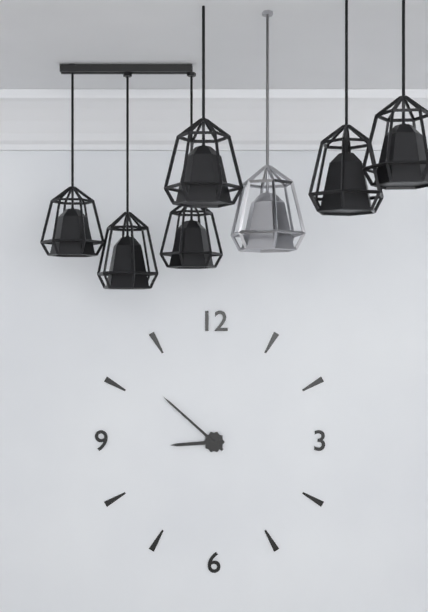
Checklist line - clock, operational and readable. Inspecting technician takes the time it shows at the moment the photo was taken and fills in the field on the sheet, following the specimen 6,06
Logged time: 8,52
